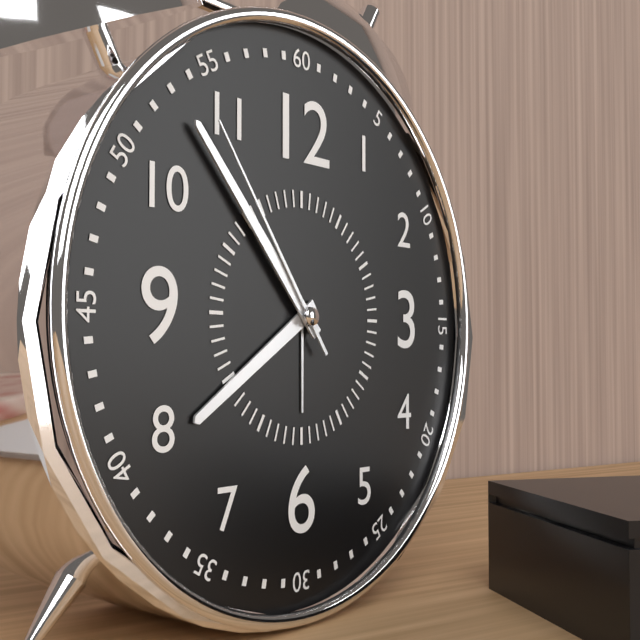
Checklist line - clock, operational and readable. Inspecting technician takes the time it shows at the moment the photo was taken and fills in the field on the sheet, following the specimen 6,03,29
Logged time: 7,53,54
